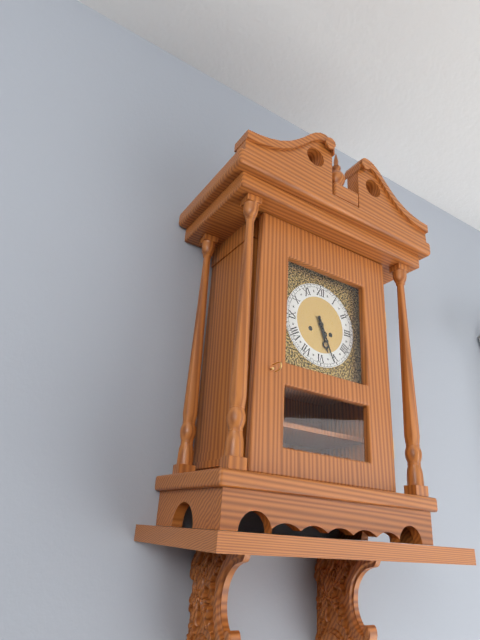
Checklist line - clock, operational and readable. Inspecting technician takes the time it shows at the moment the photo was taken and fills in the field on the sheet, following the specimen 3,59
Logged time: 5,26
